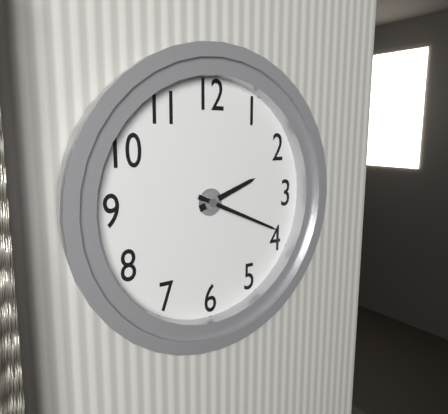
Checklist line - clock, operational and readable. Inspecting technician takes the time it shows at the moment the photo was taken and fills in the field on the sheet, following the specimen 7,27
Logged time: 2,19
